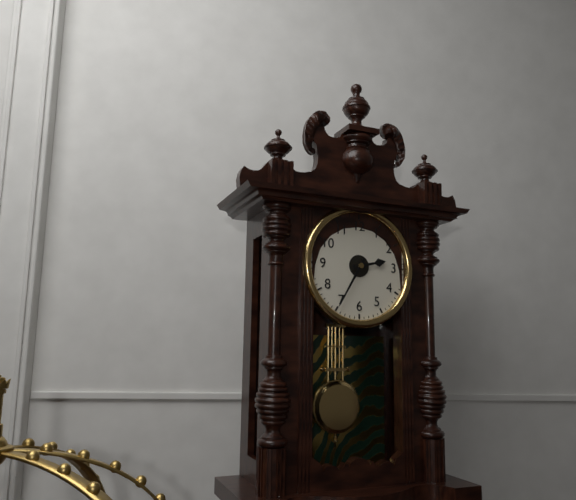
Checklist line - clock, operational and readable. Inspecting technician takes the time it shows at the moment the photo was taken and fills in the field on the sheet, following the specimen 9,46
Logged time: 2,35
